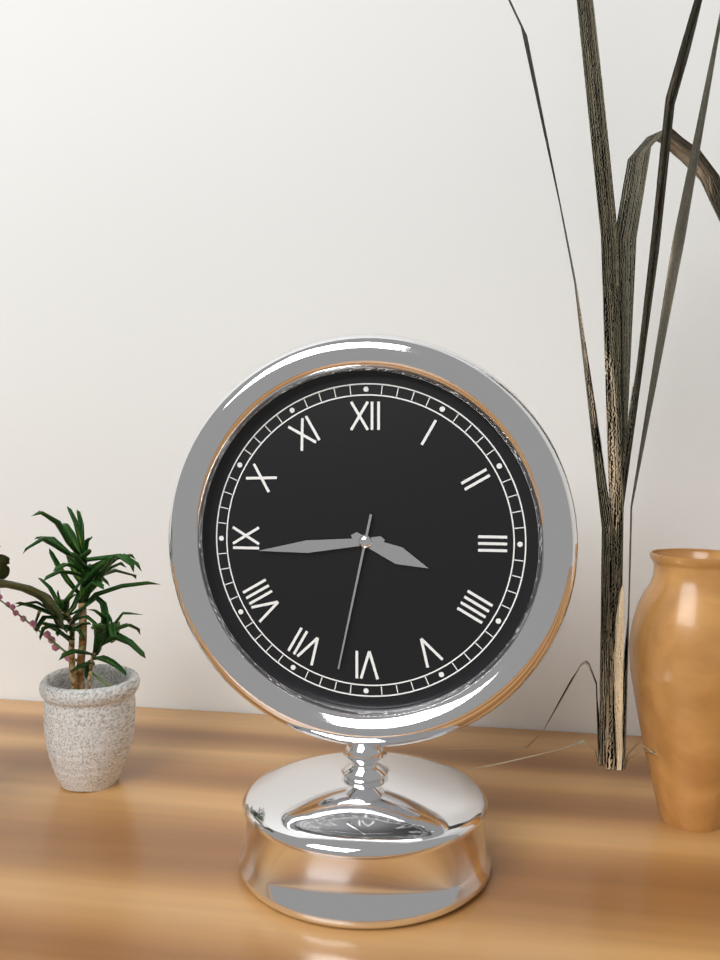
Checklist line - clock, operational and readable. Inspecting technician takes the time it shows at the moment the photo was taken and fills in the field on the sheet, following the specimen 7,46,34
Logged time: 3,44,32
